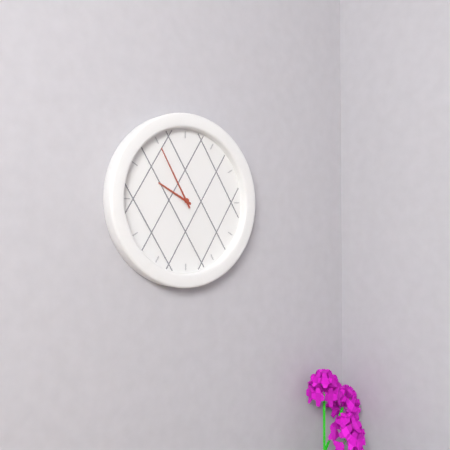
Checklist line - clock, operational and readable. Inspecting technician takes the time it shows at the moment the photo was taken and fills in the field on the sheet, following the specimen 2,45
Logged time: 9,55
